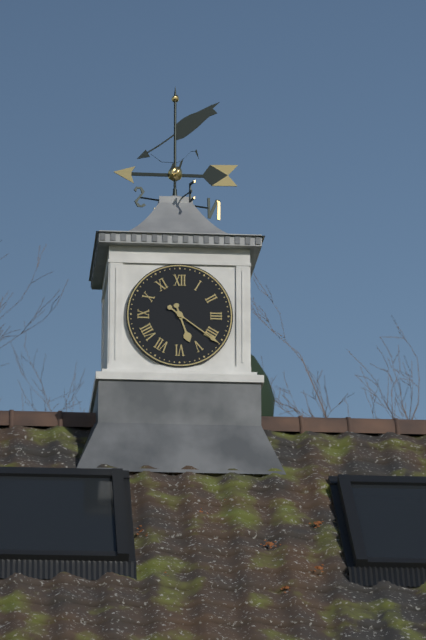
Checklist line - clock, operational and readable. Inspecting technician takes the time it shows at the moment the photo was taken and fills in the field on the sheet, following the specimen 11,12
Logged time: 5,21
